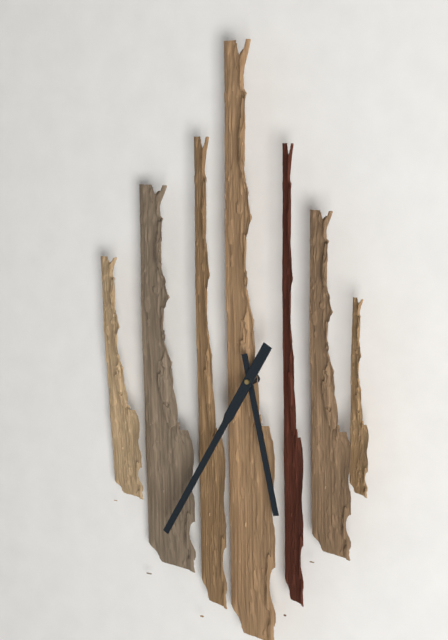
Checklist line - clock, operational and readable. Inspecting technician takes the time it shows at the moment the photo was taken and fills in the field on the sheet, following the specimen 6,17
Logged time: 5,35
